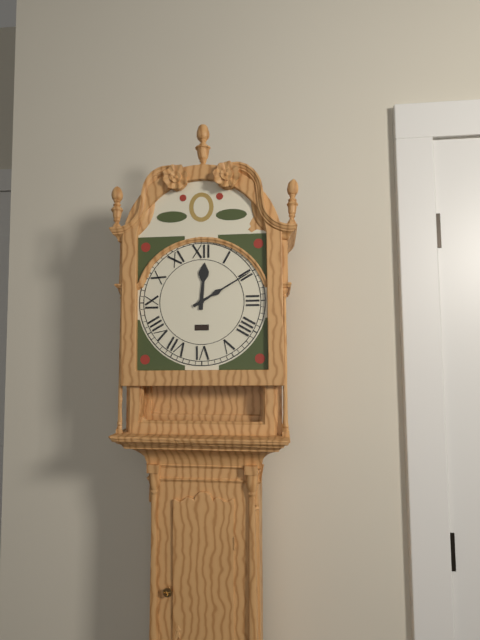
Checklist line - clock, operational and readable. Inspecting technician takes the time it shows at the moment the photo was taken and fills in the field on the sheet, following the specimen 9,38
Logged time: 12,10
